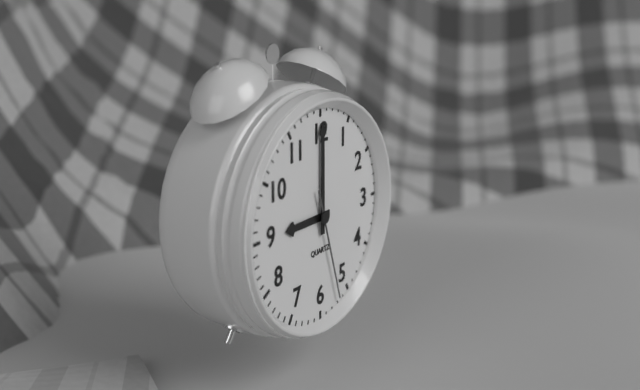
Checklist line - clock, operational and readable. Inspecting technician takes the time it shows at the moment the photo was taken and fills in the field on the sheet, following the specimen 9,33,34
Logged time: 9,00,27
